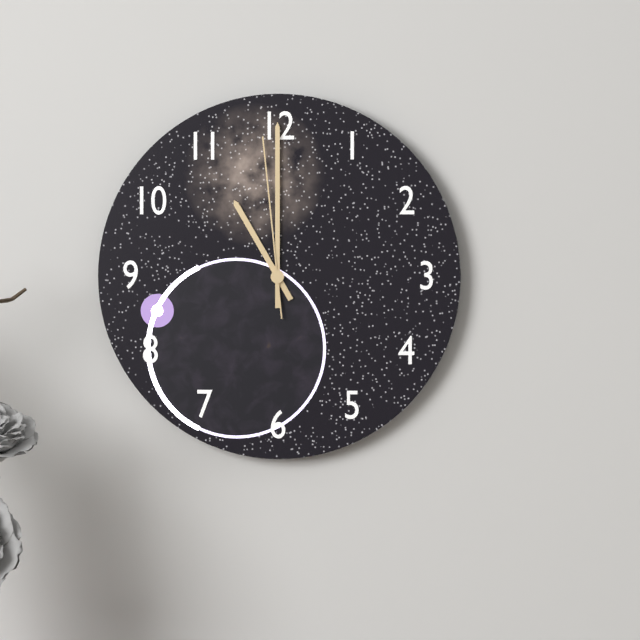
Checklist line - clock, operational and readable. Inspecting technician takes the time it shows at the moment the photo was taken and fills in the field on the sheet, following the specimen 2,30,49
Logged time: 11,00,59
